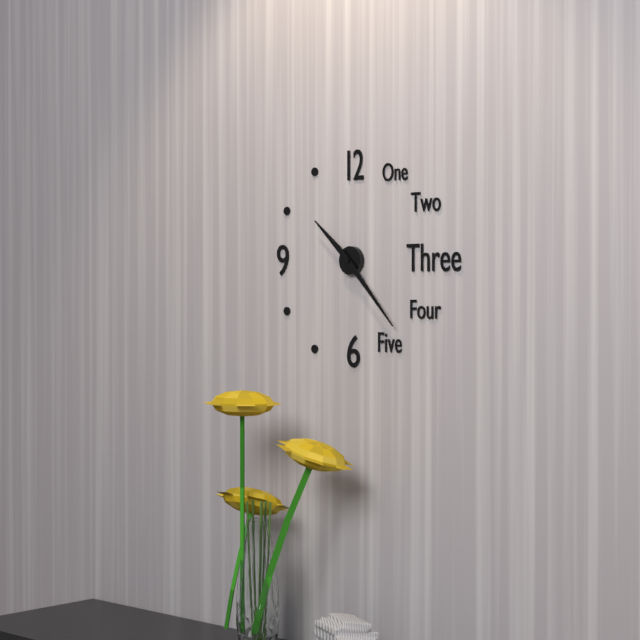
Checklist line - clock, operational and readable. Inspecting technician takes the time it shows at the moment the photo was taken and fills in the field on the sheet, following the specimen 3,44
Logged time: 10,23
